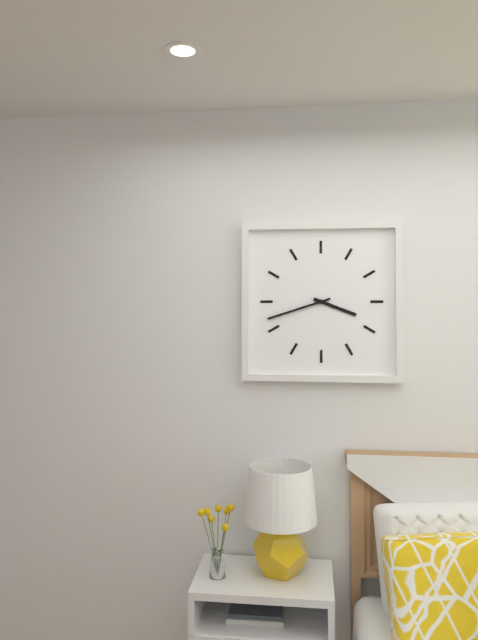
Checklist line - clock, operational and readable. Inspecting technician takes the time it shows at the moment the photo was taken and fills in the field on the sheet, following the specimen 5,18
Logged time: 3,42
